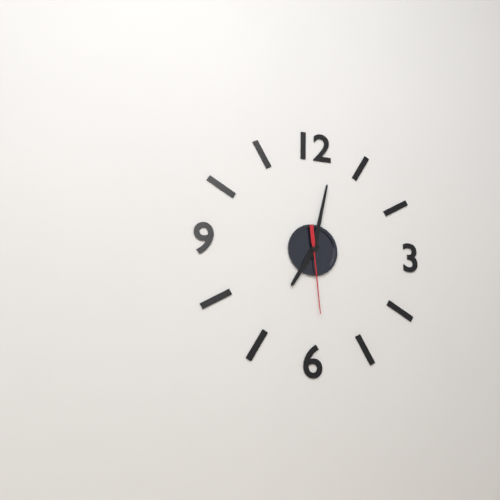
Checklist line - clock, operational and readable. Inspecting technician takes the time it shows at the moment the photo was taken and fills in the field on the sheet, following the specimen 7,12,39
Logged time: 7,02,29
